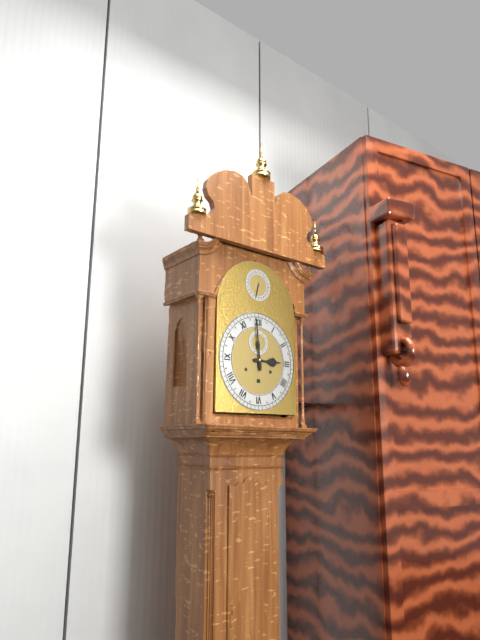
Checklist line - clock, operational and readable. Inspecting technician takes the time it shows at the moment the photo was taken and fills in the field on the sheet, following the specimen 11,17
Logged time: 2,59
